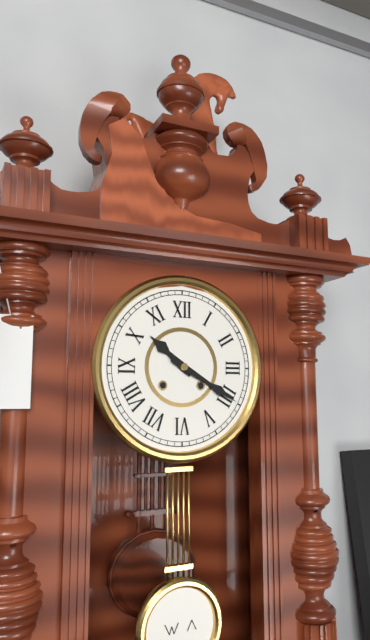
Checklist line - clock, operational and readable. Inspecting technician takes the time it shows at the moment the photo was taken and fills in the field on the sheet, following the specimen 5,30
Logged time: 10,20
